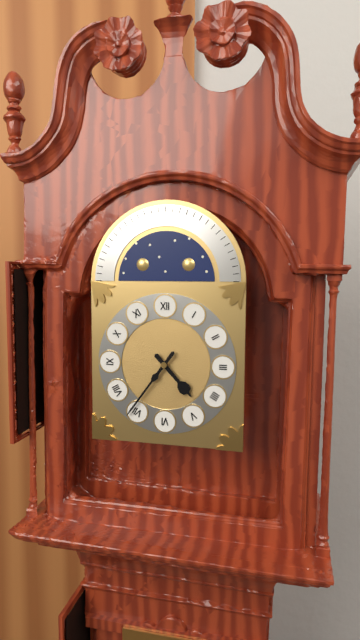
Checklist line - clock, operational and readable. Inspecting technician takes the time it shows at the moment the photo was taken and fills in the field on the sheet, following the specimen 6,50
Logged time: 4,36
